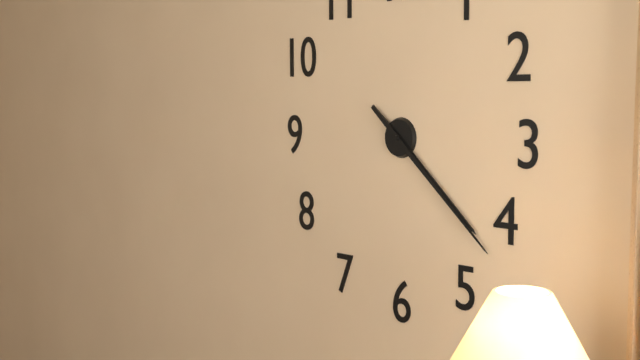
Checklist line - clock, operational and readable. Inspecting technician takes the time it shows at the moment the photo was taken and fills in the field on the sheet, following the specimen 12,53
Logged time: 4,22
